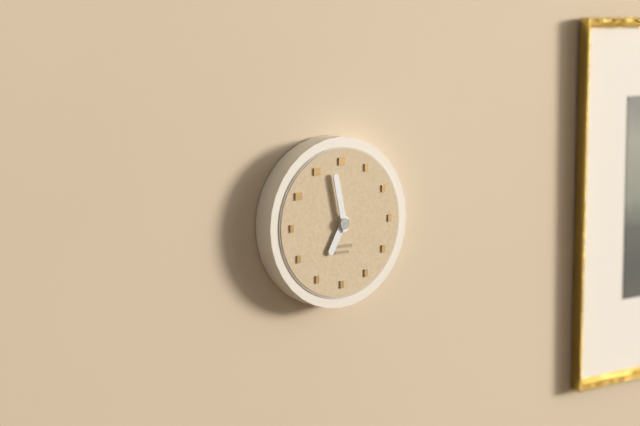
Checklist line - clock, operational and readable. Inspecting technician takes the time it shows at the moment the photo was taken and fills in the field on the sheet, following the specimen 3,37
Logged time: 6,58
